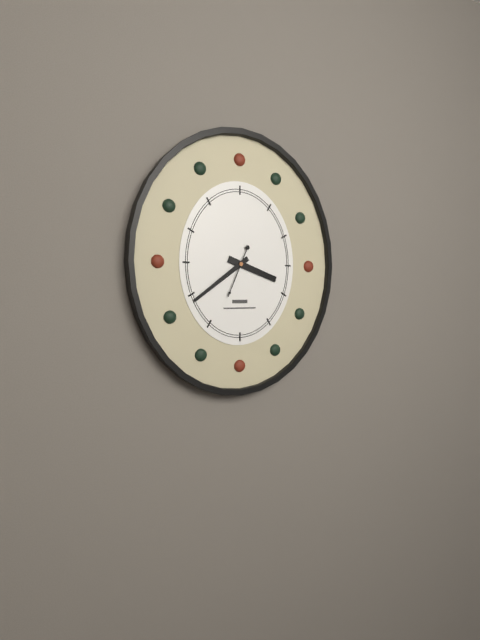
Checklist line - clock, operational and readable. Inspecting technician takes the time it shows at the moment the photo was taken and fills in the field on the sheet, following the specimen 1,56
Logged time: 3,39
